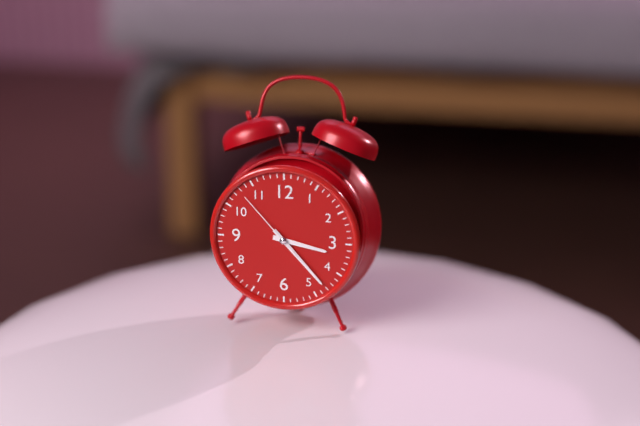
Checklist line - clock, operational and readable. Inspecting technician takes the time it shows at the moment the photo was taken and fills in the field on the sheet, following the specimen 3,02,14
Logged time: 3,23,53
